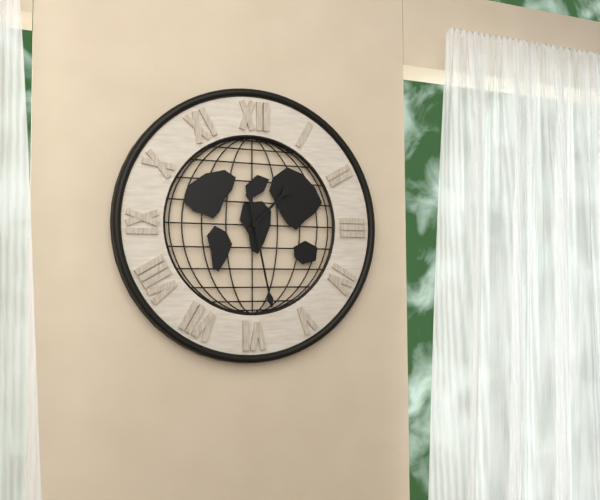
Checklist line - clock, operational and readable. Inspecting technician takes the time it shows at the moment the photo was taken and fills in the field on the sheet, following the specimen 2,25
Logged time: 1,28
